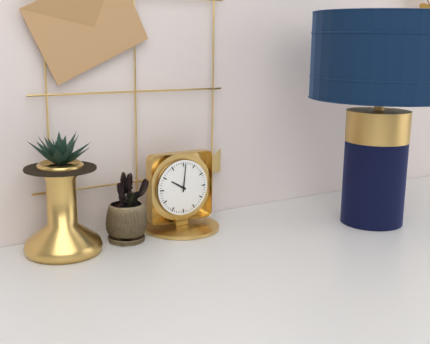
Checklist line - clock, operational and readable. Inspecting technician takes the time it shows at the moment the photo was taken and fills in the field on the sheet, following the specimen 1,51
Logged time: 10,01
